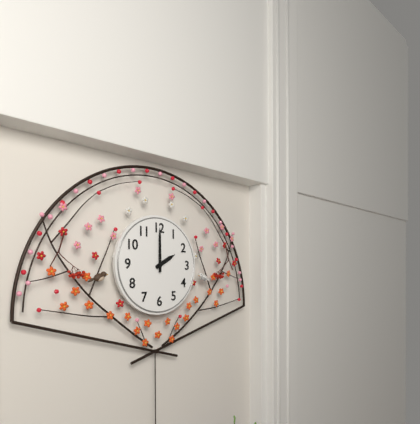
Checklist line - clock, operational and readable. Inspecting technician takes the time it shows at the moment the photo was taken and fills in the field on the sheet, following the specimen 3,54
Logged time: 2,00
